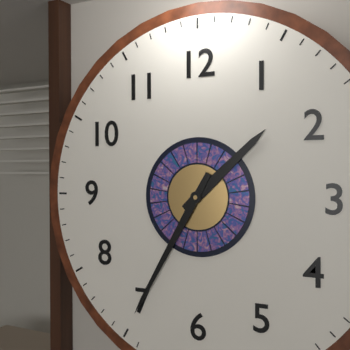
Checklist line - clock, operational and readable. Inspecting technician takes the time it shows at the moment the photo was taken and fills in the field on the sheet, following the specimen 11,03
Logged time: 1,35
